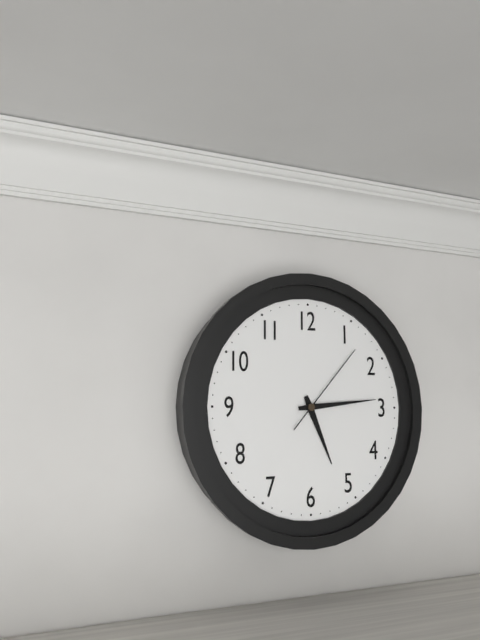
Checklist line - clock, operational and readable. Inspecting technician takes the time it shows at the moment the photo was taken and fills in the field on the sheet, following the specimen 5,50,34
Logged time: 5,14,07
